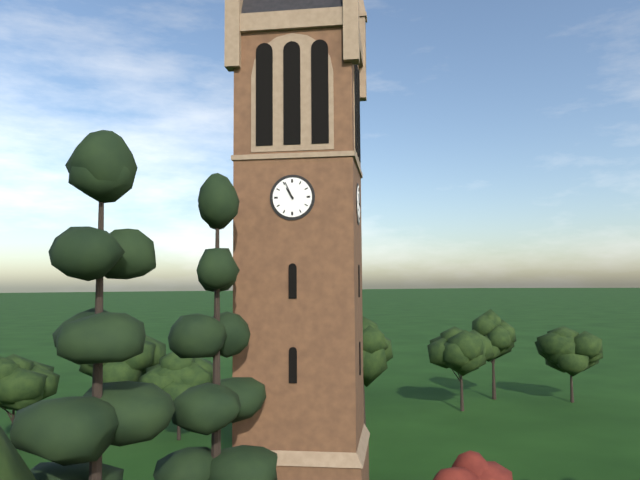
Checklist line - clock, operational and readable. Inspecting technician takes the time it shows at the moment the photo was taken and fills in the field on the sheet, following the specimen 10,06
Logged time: 10,56
